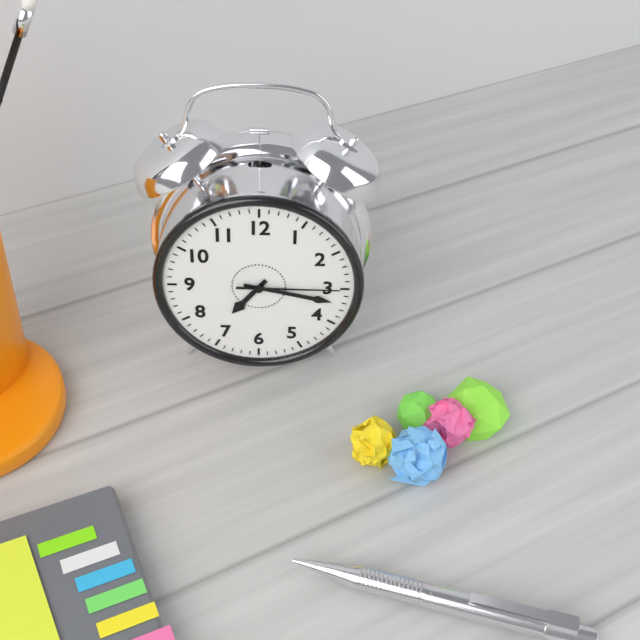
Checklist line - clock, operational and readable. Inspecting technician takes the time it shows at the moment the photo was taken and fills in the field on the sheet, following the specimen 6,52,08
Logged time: 7,17,15
